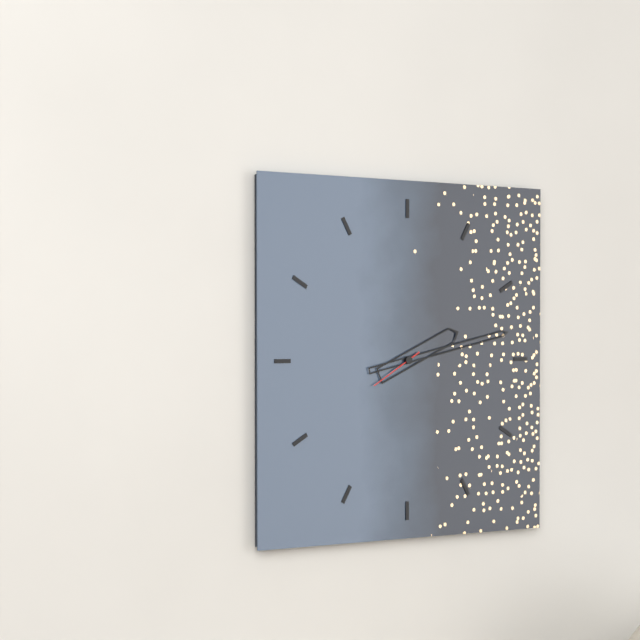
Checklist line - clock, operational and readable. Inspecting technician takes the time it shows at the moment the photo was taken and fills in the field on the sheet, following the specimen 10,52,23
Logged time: 2,13,40
